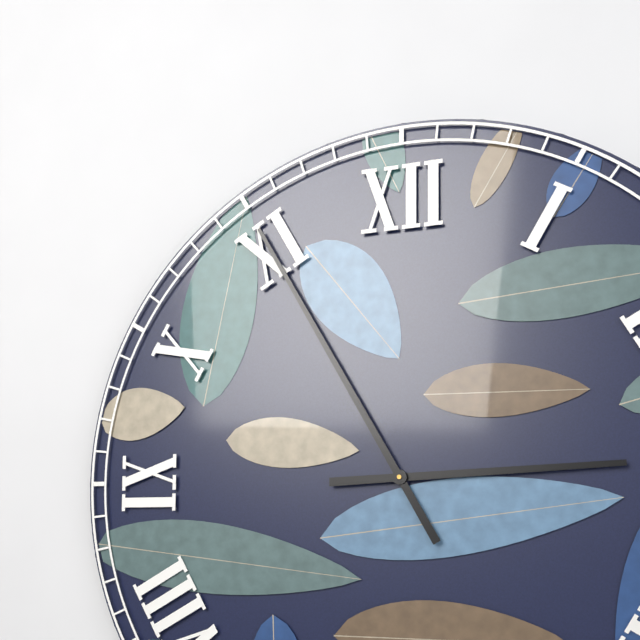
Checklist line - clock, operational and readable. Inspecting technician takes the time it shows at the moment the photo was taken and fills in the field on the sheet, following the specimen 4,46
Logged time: 2,55
